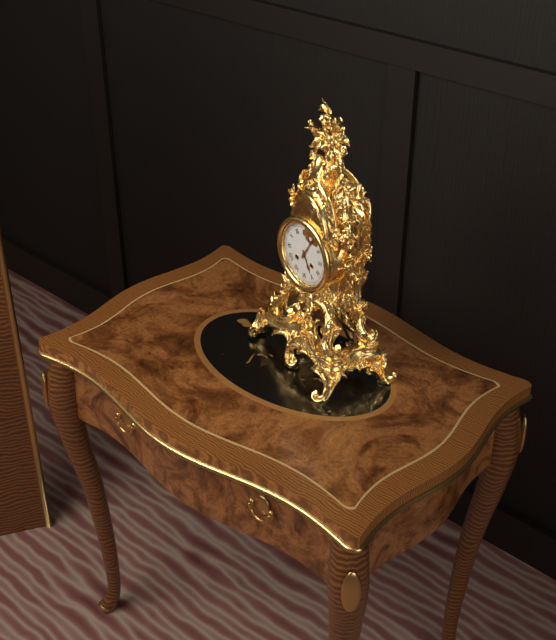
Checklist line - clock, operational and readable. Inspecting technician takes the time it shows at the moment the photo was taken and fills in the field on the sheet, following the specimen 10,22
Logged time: 5,05
